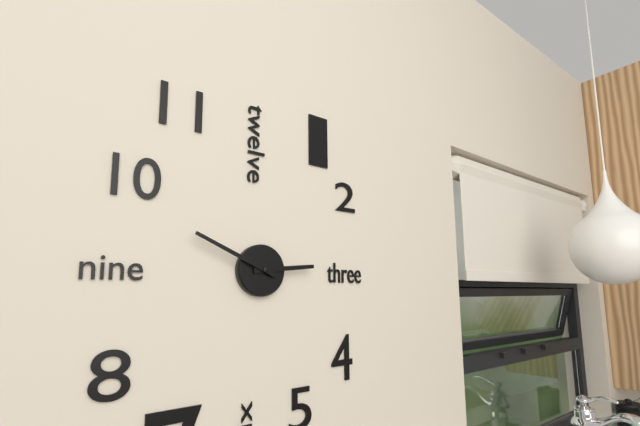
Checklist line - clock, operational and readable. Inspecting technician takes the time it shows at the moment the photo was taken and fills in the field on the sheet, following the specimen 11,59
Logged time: 2,49
